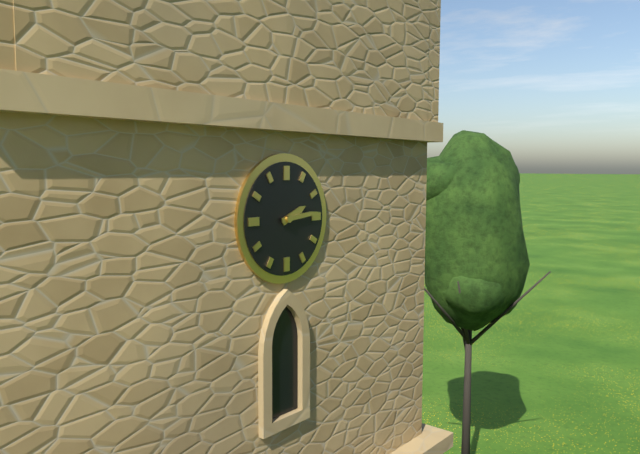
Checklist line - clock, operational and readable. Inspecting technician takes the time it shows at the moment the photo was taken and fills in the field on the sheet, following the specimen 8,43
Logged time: 2,14
